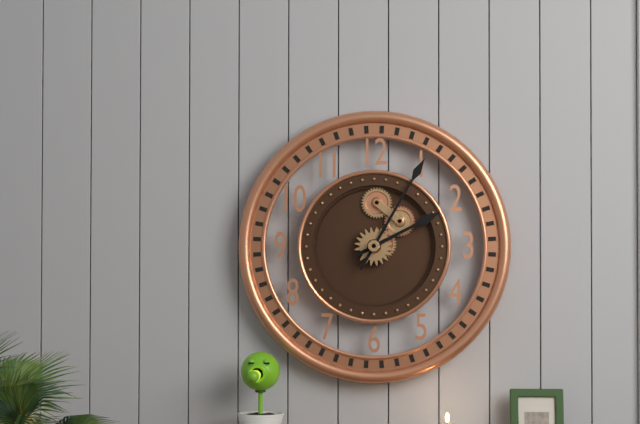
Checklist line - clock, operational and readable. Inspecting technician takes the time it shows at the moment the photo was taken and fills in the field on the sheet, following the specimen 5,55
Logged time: 2,05
